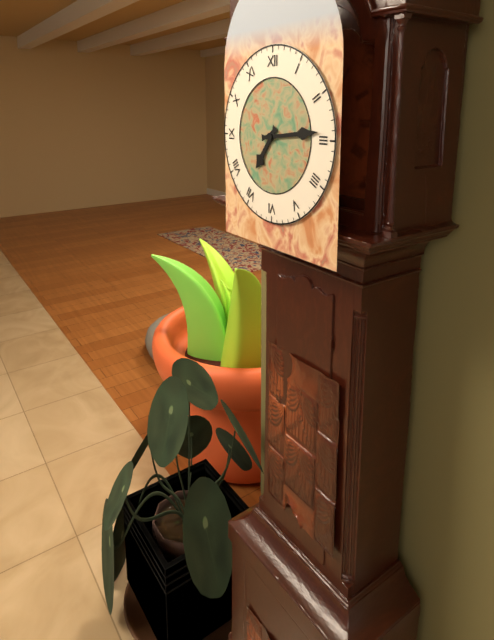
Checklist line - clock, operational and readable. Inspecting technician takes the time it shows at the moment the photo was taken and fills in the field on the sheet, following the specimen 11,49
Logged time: 7,14
